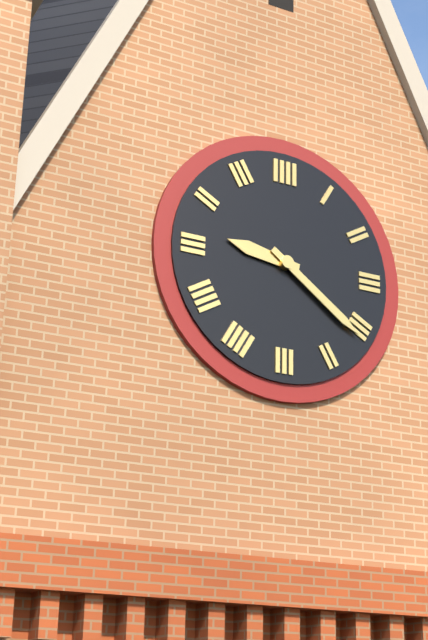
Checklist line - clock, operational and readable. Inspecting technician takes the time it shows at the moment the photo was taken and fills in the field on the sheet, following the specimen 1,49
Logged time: 9,21
